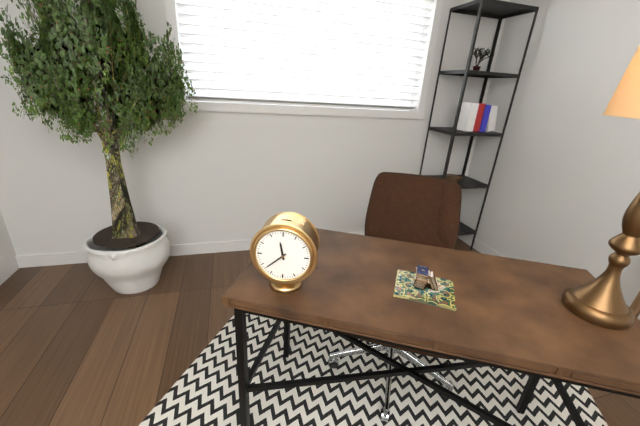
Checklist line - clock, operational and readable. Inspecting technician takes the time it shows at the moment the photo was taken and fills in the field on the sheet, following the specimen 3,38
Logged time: 11,38
